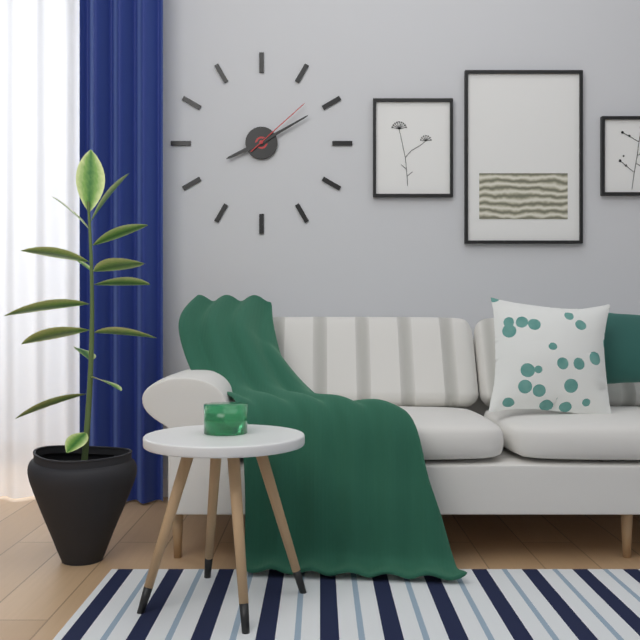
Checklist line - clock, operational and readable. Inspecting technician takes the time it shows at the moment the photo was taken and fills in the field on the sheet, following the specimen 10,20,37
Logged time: 8,10,08
